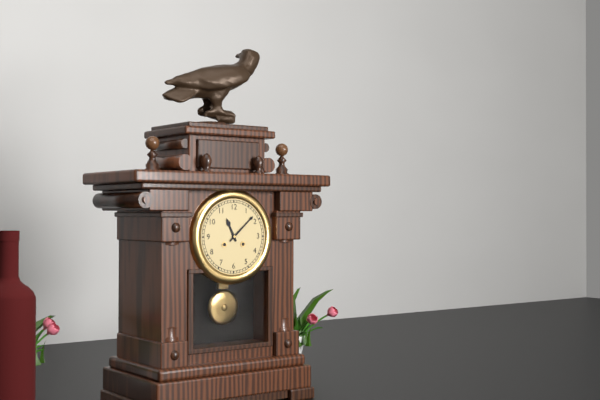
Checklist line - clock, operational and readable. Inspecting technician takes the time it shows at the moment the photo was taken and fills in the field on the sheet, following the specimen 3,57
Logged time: 11,08
